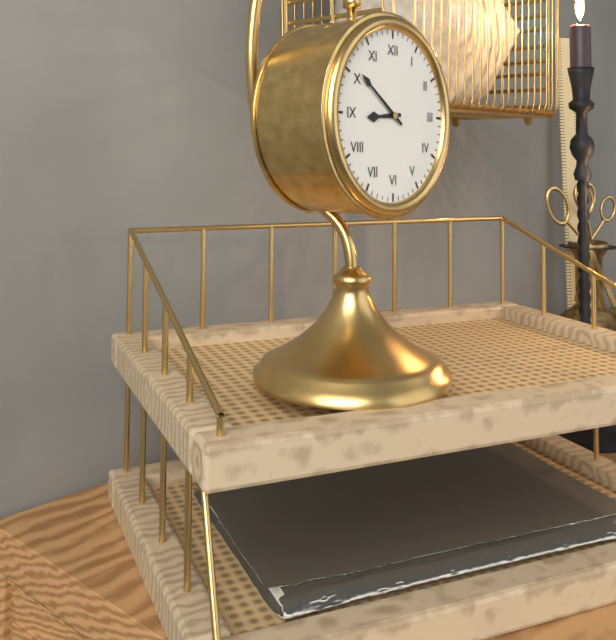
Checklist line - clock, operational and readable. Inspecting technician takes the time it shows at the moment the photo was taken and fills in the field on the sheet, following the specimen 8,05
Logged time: 8,51
